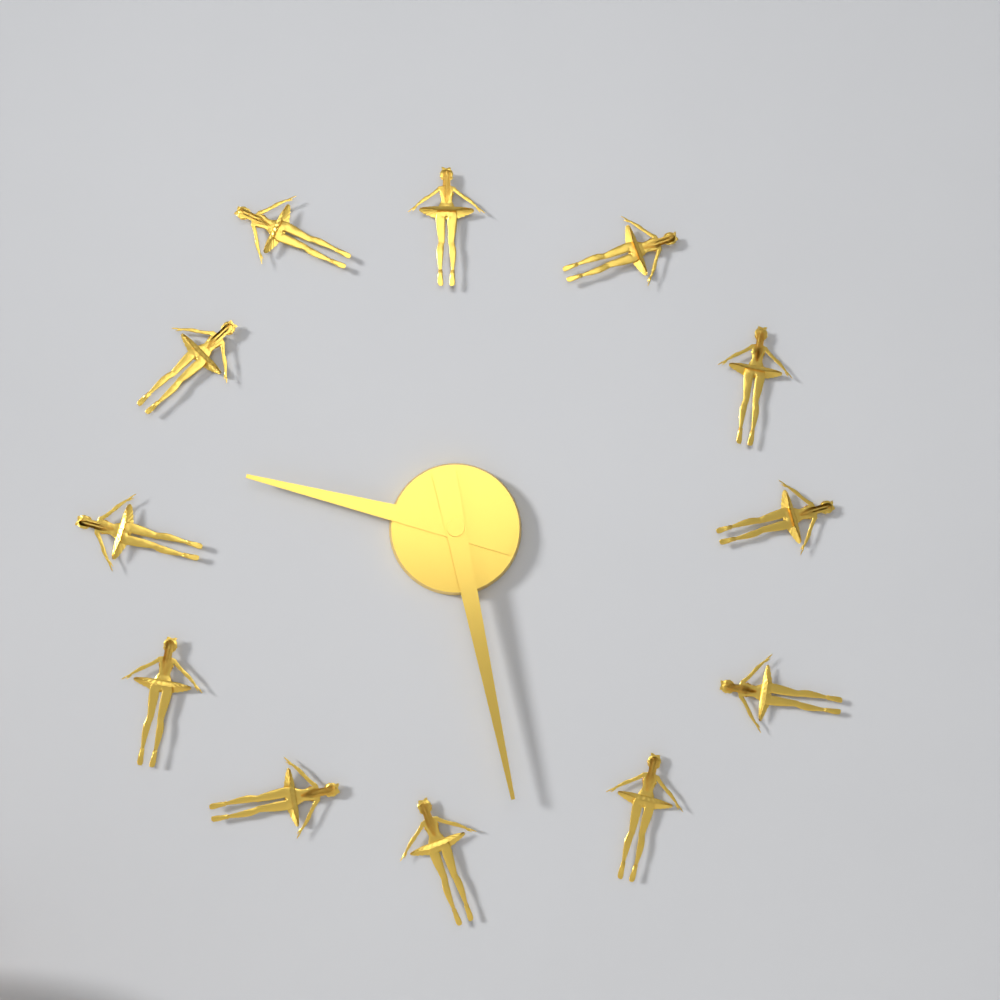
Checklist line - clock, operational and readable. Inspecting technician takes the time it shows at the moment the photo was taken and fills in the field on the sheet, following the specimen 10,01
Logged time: 9,28
